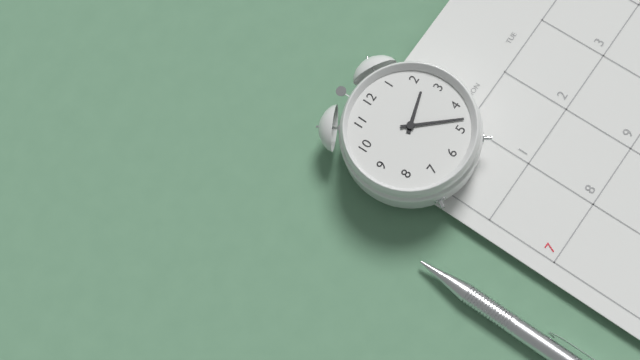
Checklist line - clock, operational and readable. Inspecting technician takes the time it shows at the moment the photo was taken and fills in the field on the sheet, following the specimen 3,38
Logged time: 2,23
